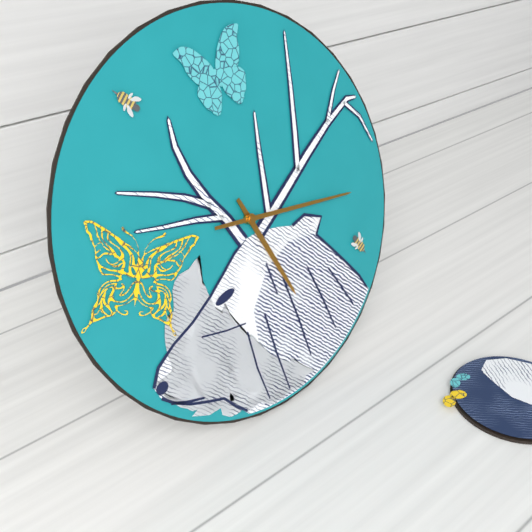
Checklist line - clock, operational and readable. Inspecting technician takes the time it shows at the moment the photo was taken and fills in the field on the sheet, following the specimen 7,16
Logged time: 5,16
